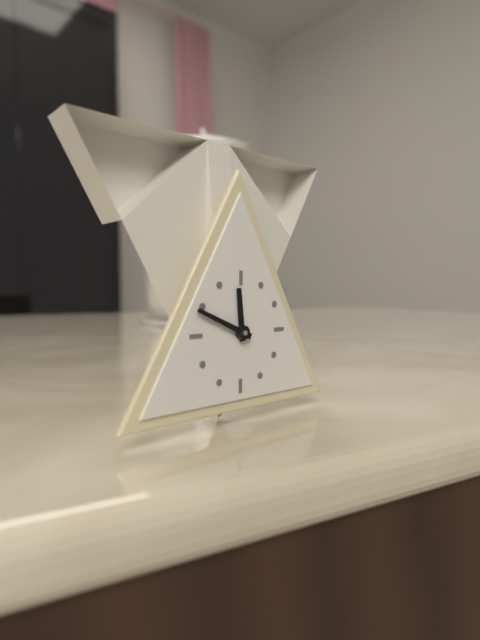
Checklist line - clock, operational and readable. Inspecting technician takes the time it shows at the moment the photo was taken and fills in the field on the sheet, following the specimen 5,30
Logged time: 11,49
